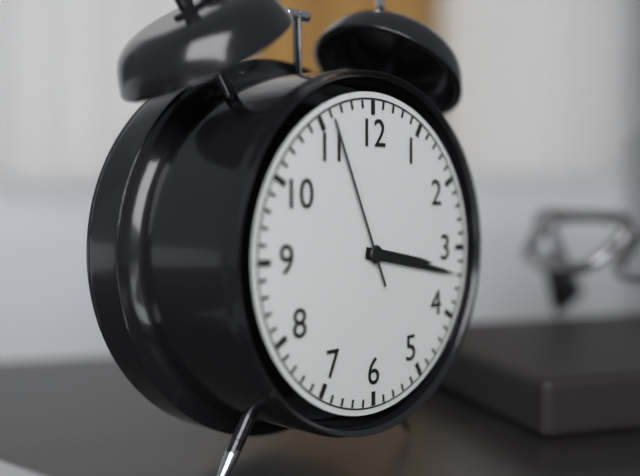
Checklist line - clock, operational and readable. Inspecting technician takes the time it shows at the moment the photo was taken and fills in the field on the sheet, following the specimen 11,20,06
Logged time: 3,17,56
